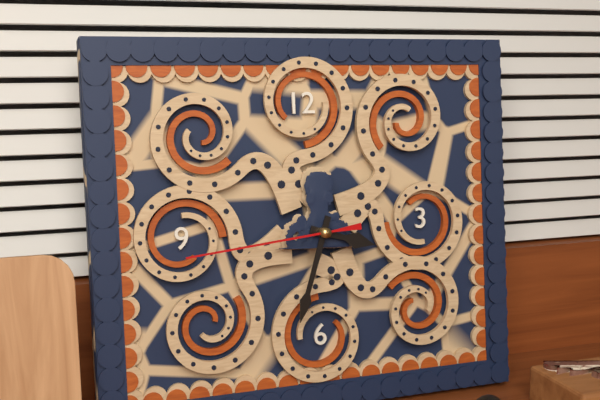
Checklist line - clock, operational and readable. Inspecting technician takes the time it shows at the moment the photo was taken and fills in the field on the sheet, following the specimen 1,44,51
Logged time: 3,33,44
